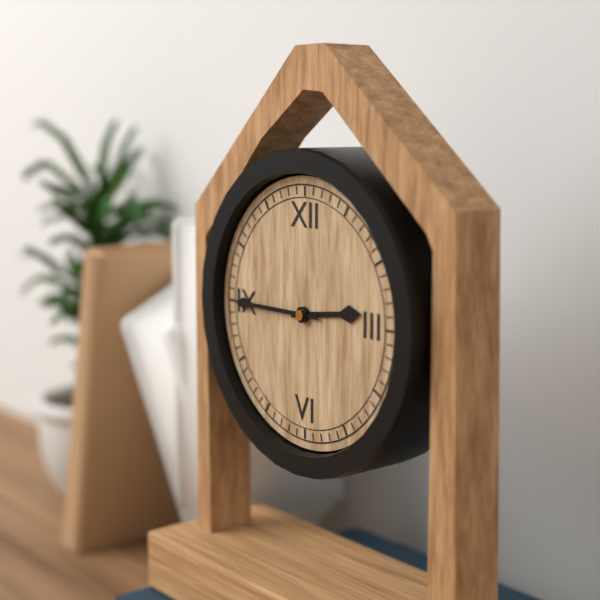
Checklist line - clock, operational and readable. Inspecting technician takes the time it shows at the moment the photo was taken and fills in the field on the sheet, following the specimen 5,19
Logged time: 2,45
